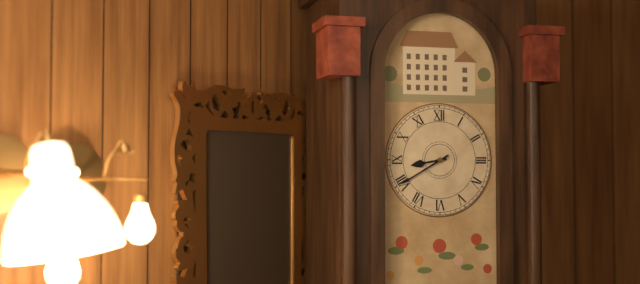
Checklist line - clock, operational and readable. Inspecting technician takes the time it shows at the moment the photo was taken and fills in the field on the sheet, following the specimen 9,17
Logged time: 8,40
